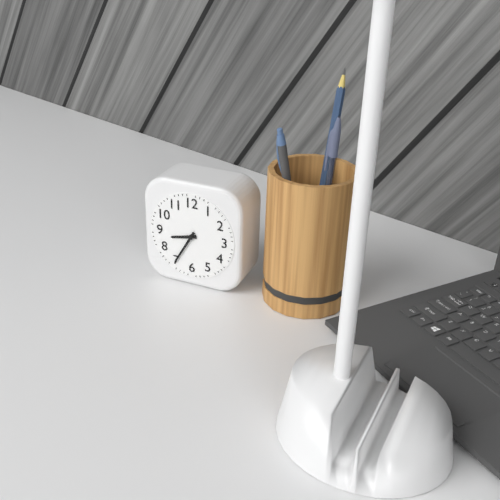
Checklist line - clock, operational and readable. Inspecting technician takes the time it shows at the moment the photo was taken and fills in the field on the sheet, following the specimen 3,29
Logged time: 8,35
